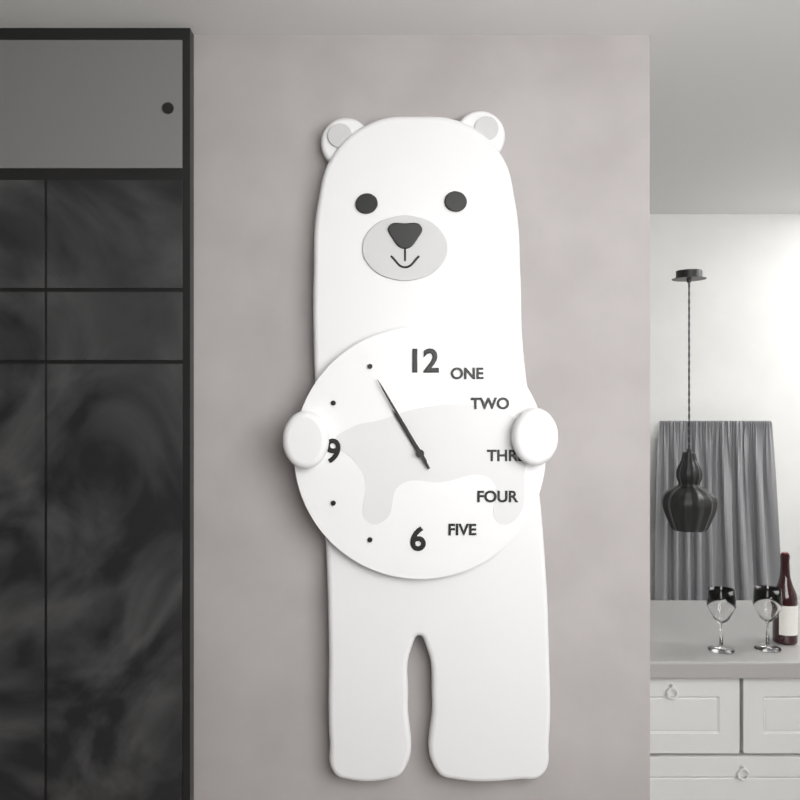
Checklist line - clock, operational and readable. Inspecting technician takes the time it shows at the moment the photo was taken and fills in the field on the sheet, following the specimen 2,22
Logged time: 10,55
